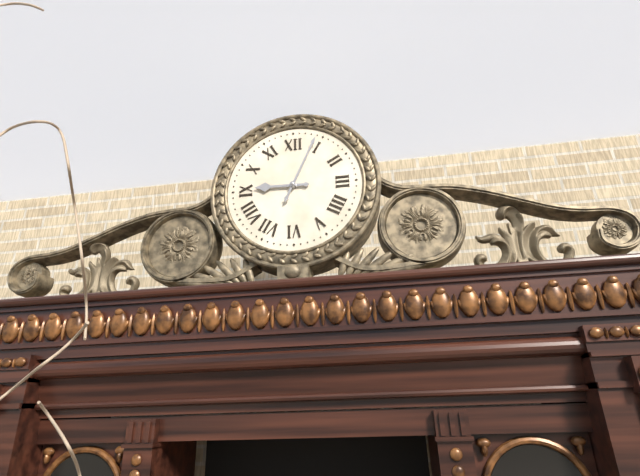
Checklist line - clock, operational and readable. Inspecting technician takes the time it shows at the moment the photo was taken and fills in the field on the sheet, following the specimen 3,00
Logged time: 9,04
